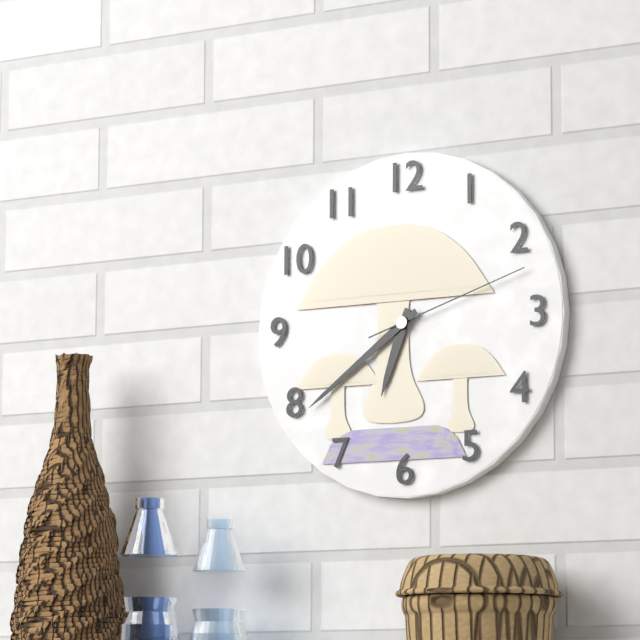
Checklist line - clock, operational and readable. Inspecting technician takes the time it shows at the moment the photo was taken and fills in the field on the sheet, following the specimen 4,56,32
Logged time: 6,39,12
